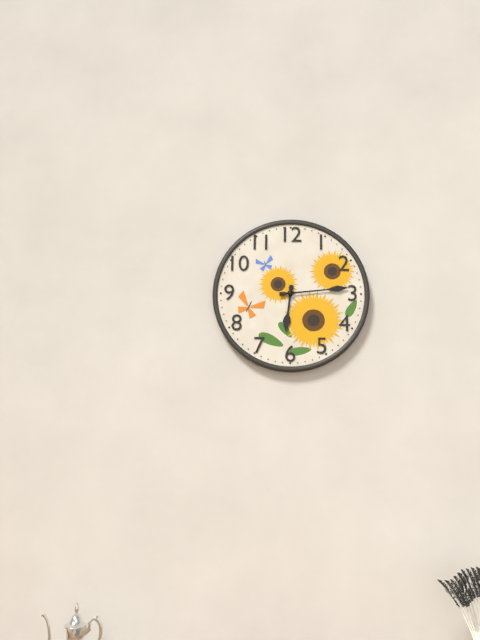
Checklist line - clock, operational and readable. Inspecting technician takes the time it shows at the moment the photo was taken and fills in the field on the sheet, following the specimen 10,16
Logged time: 6,14
